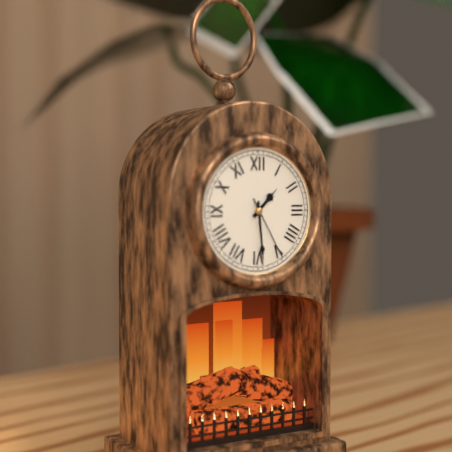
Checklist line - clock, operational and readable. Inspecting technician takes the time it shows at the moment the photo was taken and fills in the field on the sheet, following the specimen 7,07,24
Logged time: 1,29,25
